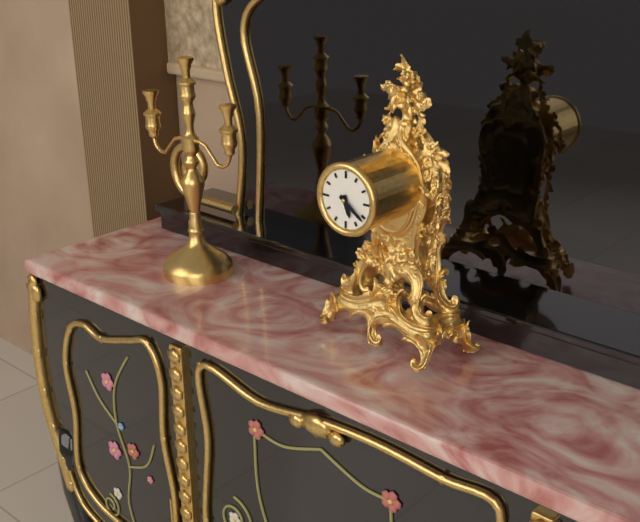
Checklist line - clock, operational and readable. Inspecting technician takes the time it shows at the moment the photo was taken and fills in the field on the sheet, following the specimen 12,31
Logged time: 5,21
